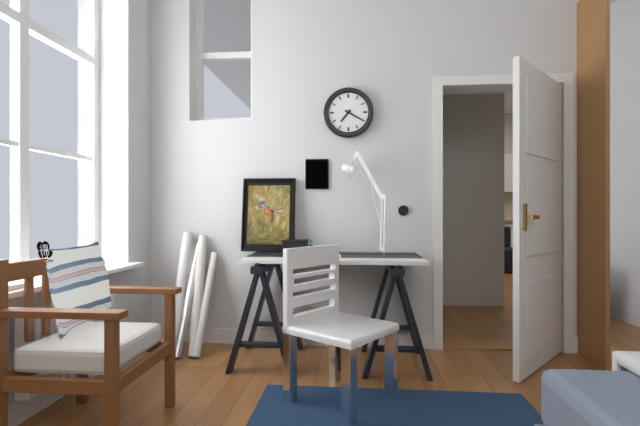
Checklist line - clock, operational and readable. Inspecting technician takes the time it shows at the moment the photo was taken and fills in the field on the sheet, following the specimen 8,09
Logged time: 7,20
